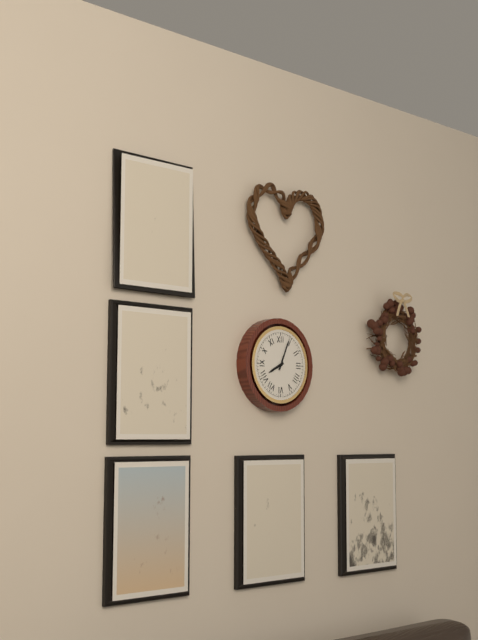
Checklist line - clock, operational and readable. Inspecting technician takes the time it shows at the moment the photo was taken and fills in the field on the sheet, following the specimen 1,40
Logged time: 8,04
